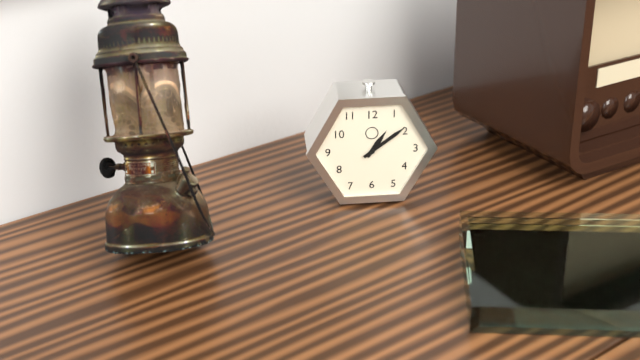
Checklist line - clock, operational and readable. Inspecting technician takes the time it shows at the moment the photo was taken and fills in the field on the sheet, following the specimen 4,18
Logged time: 1,09
